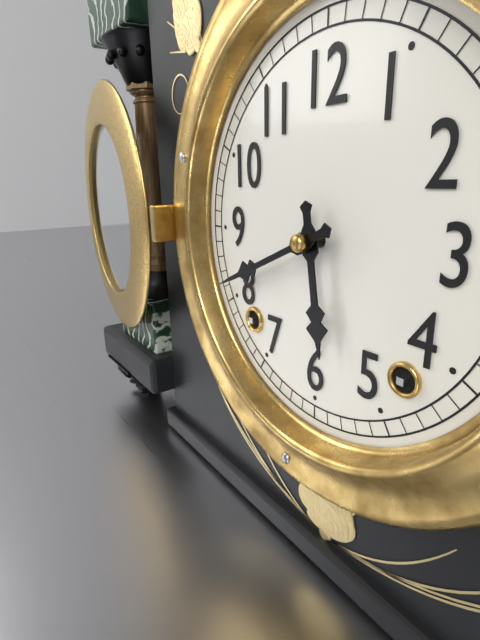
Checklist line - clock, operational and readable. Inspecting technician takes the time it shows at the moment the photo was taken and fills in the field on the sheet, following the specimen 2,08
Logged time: 5,41
